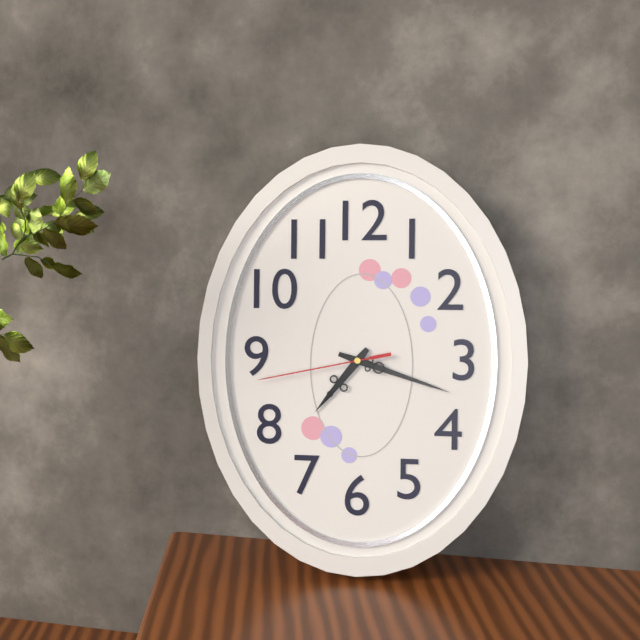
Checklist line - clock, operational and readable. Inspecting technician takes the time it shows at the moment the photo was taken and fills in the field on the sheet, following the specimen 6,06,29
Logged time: 7,18,43
